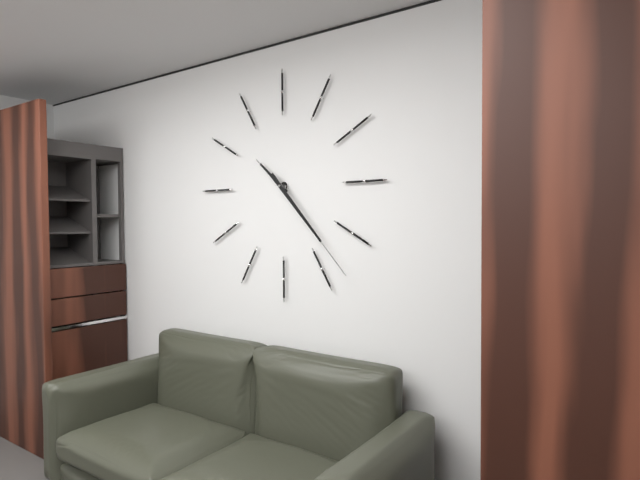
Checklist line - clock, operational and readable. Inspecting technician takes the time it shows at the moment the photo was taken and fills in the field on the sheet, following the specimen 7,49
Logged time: 10,23
